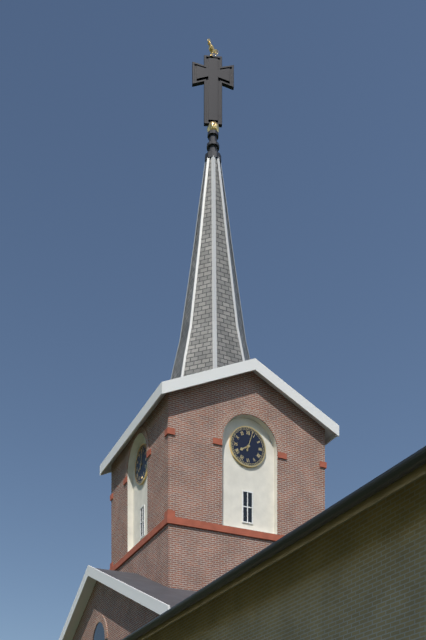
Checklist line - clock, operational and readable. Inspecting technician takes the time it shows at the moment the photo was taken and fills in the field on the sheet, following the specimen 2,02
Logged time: 8,03
